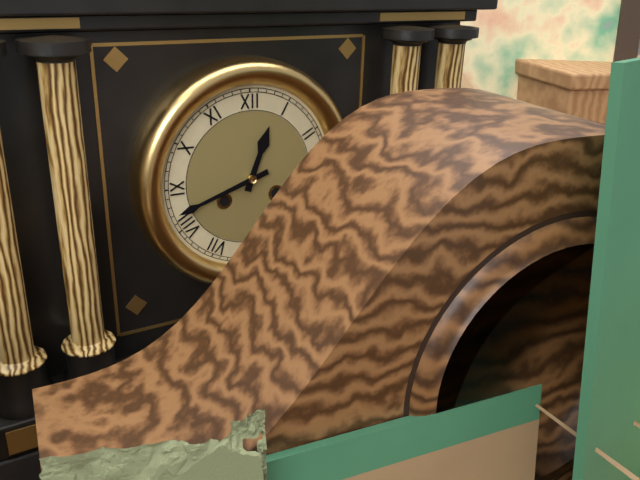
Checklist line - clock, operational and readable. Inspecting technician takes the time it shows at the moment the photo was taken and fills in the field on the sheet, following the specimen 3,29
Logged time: 12,42
